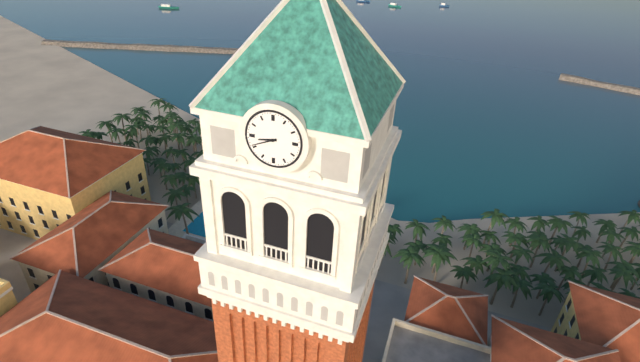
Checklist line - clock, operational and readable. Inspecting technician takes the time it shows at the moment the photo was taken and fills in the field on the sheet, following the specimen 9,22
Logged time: 8,41
